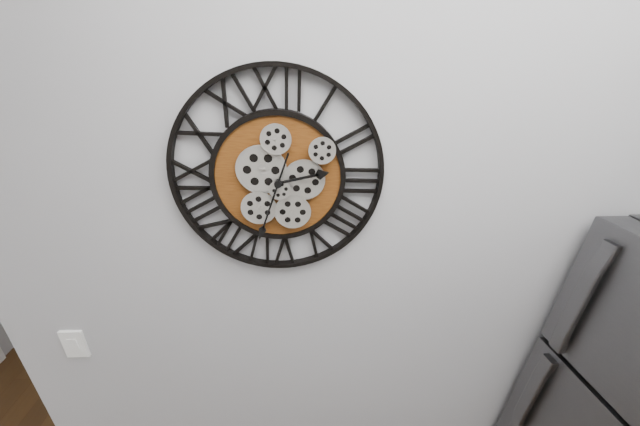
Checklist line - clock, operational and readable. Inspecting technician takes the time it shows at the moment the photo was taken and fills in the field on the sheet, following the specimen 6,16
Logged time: 2,33
